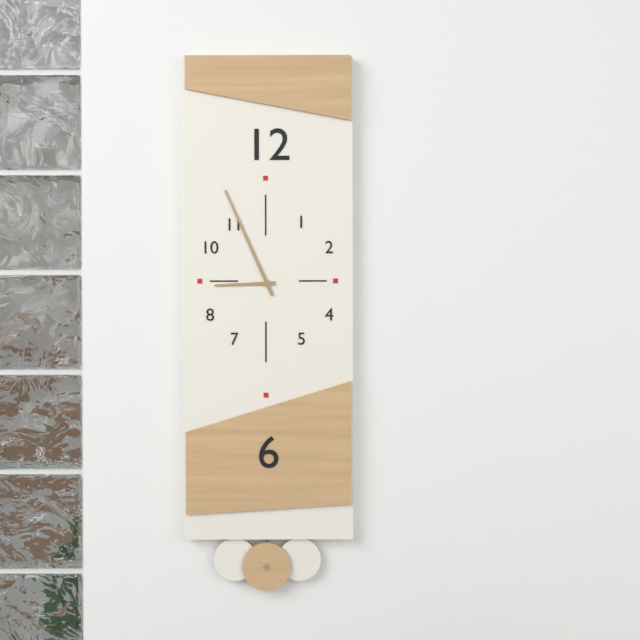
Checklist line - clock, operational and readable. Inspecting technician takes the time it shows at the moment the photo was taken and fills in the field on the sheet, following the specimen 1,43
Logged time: 8,56
